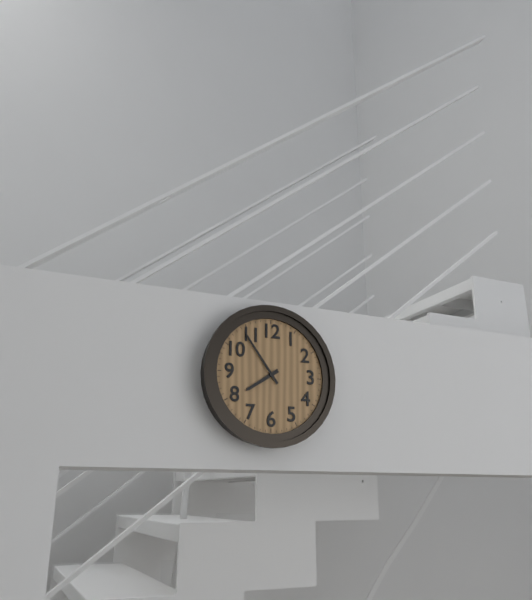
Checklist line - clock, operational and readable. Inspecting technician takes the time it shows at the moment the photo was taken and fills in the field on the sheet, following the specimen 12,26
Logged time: 7,54
